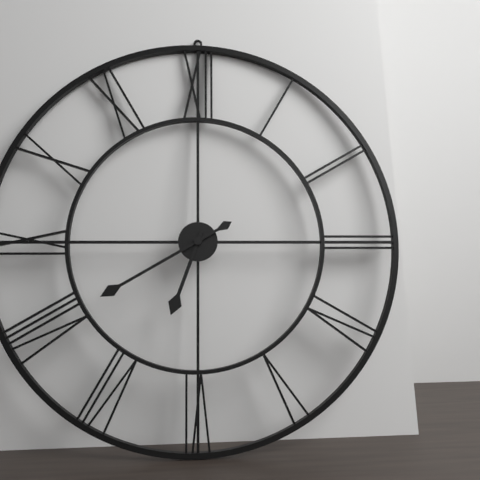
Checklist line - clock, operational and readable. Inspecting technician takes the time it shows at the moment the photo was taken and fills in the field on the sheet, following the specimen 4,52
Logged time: 6,40
